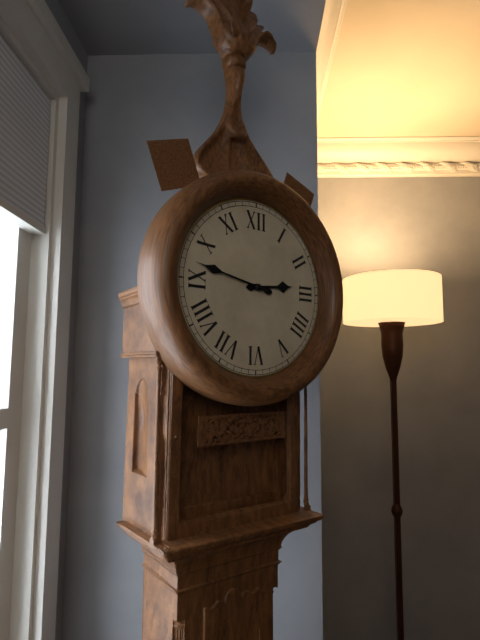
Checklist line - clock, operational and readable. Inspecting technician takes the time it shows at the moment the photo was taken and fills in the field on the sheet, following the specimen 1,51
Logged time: 2,47
